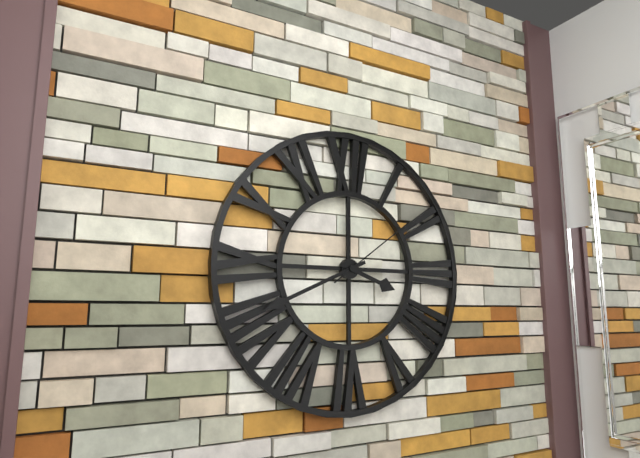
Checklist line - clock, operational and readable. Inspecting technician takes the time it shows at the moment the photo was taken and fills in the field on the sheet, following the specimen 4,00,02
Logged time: 3,41,09
